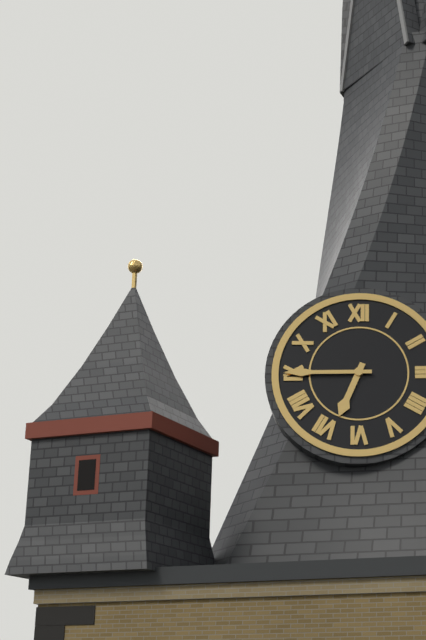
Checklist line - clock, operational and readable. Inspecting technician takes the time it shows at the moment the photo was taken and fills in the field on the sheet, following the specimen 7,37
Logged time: 6,45
